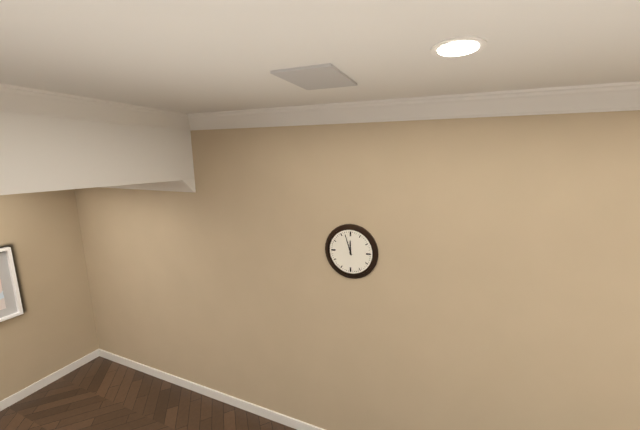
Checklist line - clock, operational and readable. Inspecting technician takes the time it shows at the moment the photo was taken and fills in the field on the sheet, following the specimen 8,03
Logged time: 11,57
